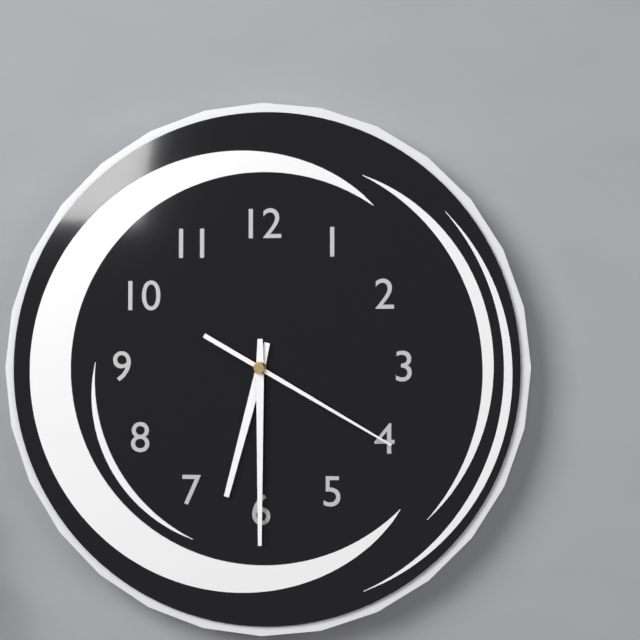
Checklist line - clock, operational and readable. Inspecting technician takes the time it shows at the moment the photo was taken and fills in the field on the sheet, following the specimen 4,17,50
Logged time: 6,30,20
